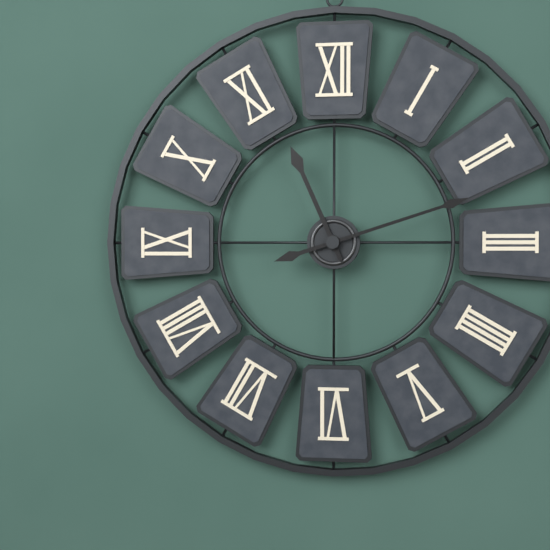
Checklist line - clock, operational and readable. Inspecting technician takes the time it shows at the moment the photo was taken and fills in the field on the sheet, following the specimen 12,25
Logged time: 11,12
